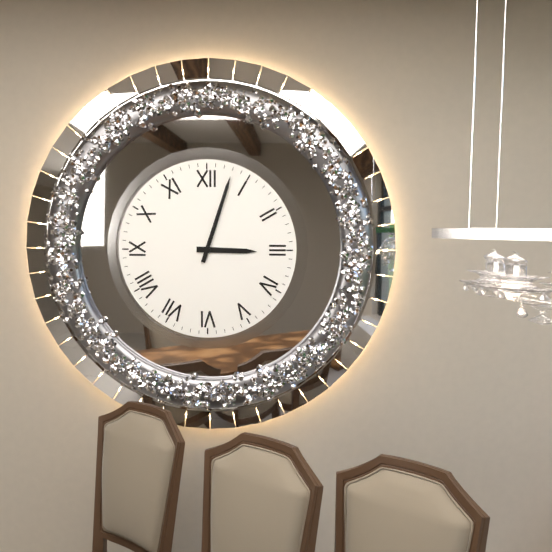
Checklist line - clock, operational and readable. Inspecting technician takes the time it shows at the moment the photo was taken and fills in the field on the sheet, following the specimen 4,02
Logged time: 3,03
